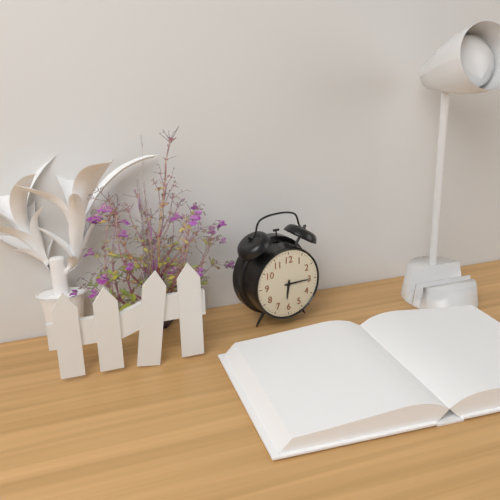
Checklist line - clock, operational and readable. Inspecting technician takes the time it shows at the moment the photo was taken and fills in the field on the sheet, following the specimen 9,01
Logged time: 6,15
